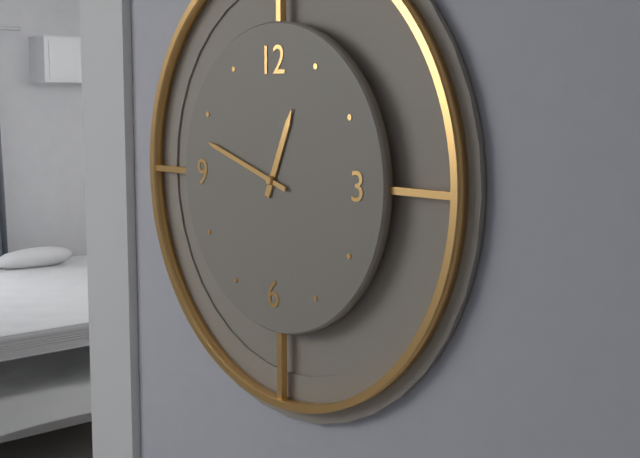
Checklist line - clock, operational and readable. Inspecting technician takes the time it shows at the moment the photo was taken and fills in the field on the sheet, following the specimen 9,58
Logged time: 12,48
